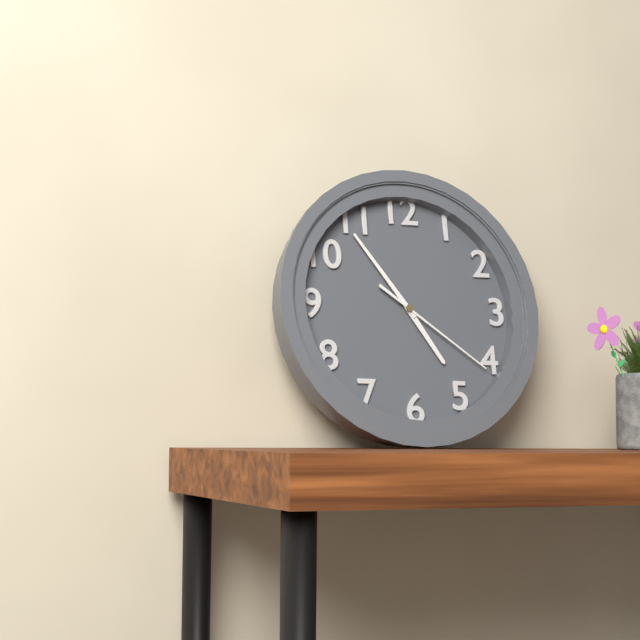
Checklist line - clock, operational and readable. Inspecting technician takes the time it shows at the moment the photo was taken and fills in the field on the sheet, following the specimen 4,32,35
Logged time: 4,54,21
